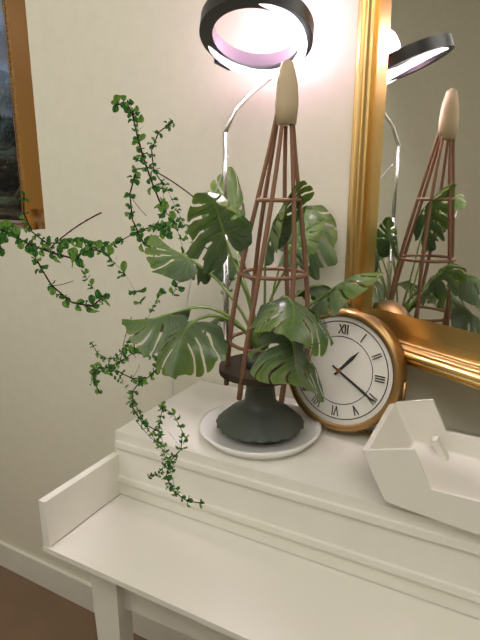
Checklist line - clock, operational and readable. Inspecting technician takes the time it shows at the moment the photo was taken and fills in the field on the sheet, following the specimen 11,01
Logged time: 1,20
